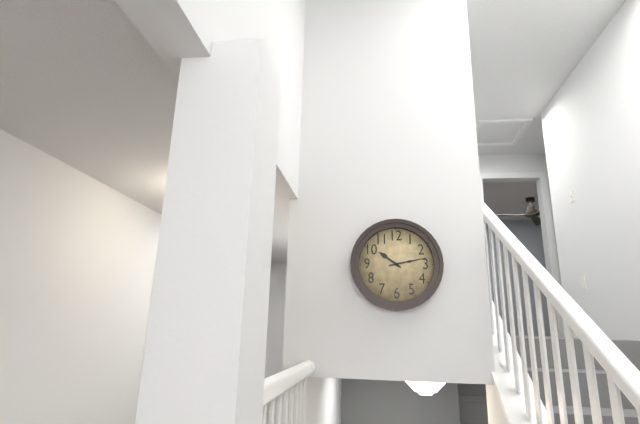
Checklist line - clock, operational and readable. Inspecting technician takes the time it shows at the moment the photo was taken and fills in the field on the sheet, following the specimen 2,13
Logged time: 10,13
